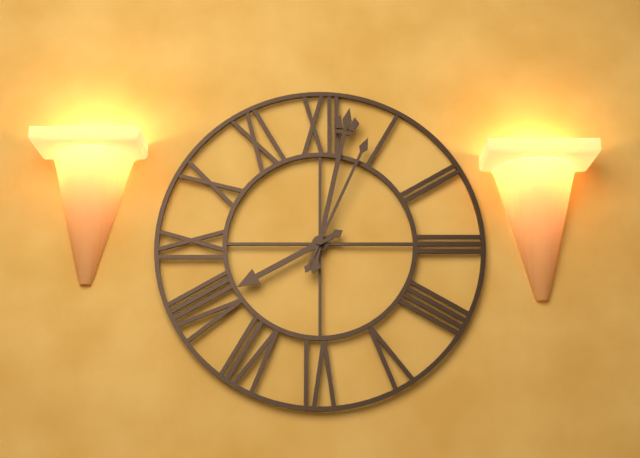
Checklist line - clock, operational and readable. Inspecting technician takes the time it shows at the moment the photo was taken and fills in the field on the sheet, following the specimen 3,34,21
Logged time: 8,02,04
